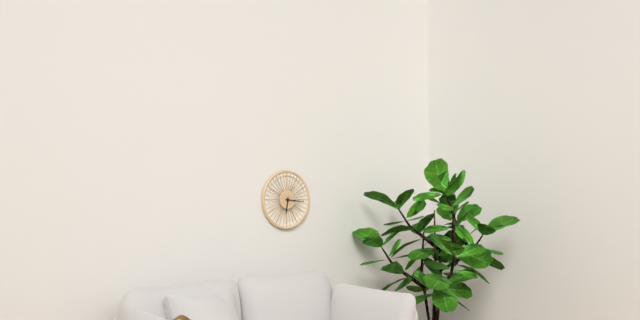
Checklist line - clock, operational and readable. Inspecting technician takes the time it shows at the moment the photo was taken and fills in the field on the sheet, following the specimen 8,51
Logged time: 6,16
